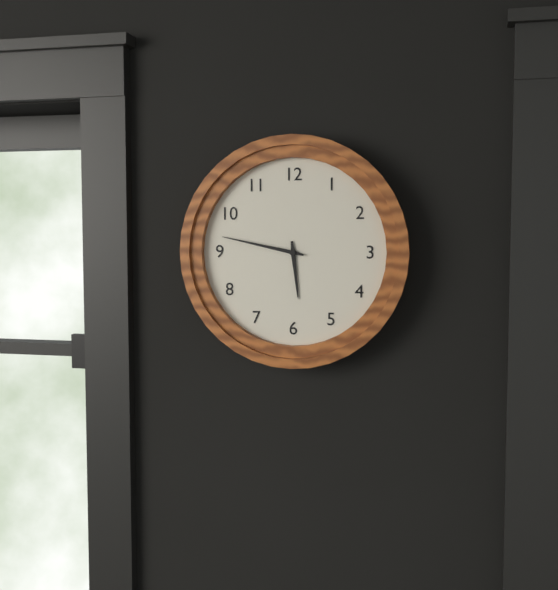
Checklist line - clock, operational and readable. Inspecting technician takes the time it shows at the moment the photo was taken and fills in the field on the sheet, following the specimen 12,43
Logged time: 5,47
